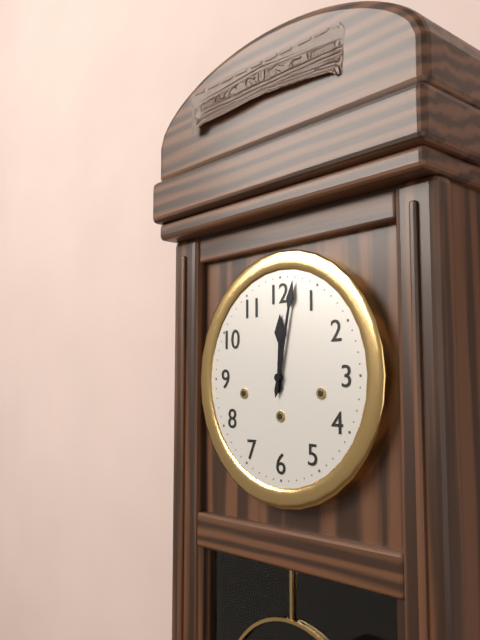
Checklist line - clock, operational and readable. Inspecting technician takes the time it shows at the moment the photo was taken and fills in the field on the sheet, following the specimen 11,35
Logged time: 12,02
